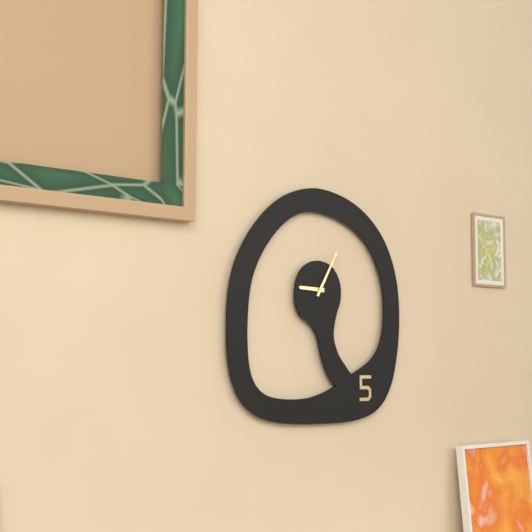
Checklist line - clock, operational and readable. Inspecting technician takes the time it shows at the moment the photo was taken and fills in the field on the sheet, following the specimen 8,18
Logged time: 9,05
